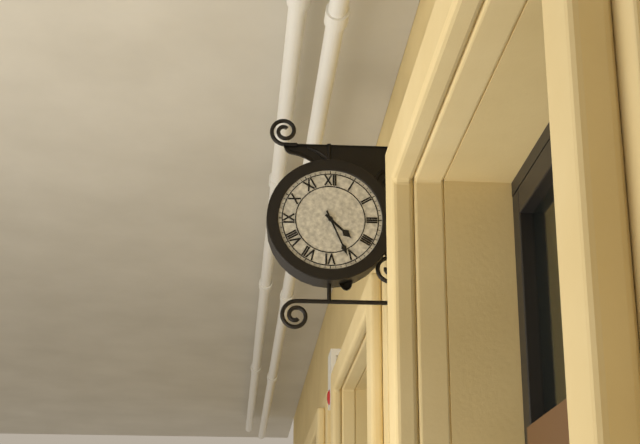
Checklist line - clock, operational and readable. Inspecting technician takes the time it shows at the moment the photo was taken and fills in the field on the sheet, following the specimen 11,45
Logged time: 4,26
